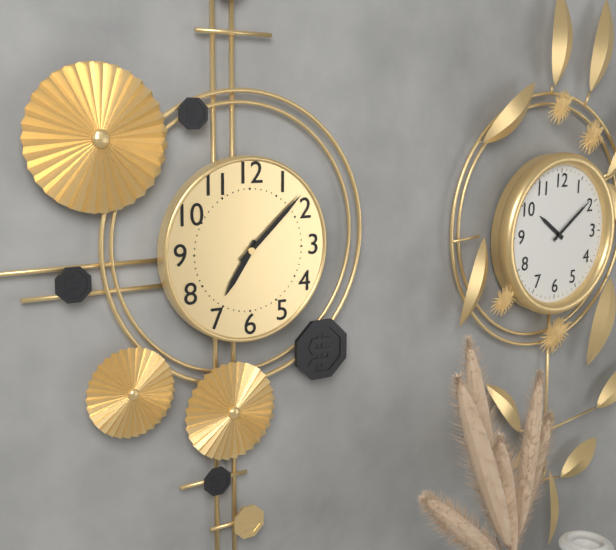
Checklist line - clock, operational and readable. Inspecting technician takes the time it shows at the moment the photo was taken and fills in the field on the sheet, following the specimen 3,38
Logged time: 7,08
